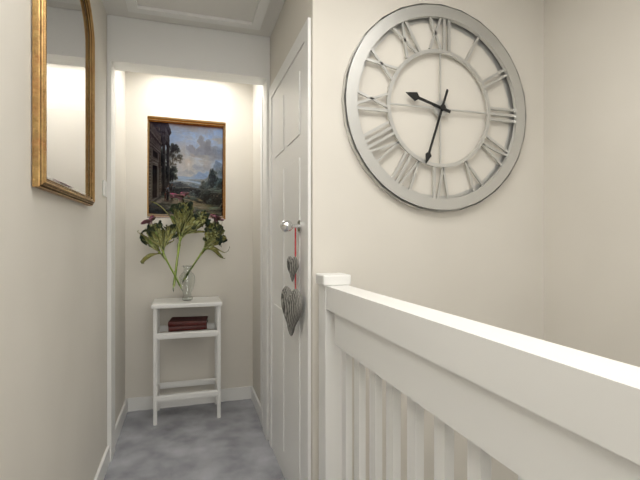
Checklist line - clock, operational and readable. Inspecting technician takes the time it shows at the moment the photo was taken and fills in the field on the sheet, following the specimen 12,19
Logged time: 9,33
